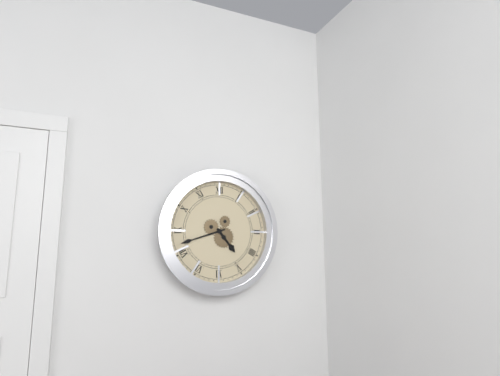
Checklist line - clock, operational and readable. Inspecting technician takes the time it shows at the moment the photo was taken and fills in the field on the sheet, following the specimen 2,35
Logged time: 4,42
